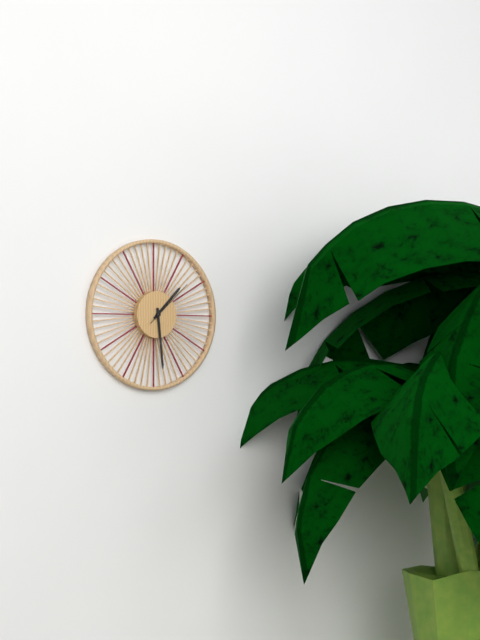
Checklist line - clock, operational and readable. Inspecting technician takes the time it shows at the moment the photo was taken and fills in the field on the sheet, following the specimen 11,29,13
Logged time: 1,29,08
